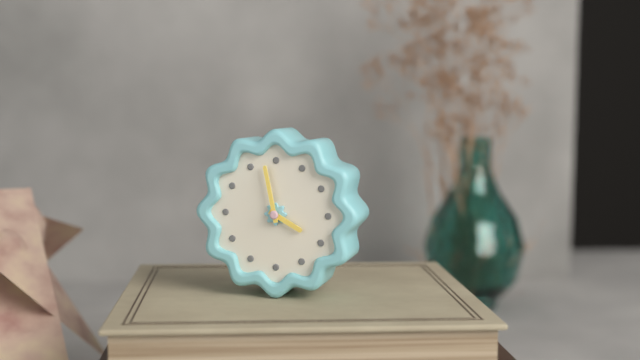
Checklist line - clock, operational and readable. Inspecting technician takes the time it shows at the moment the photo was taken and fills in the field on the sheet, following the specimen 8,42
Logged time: 3,58
